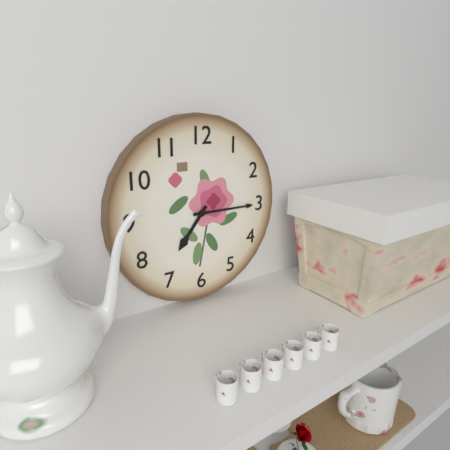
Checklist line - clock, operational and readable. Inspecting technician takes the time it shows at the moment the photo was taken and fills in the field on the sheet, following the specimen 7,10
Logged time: 7,15
